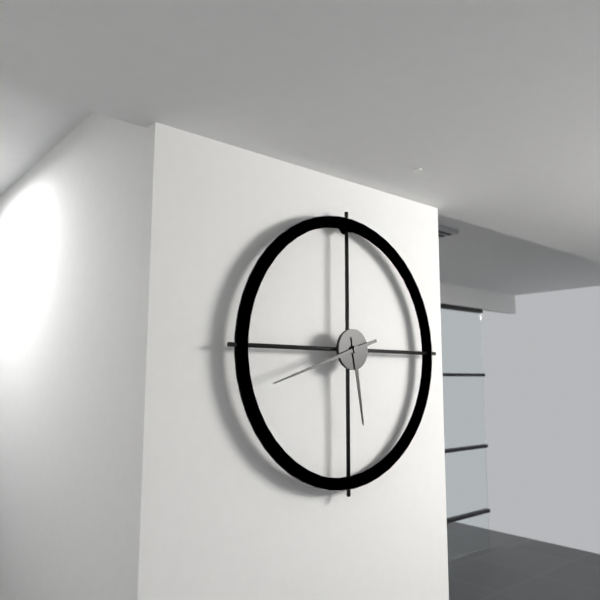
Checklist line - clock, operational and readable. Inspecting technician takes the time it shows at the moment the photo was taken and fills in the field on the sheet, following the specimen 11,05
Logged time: 5,42
